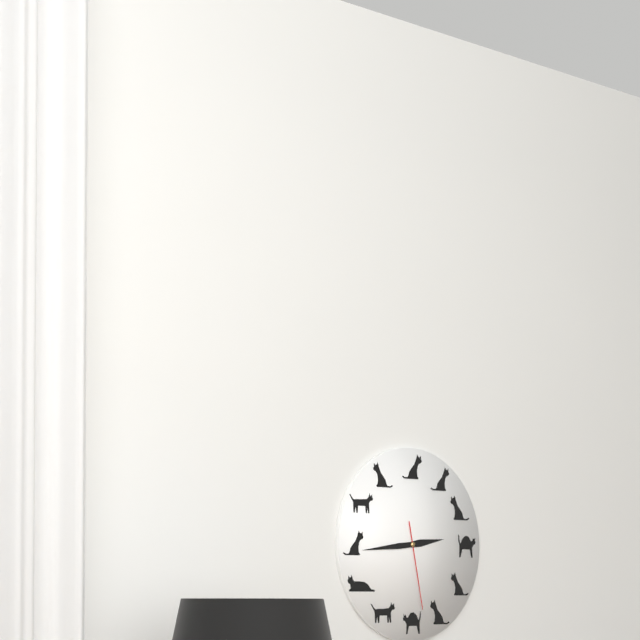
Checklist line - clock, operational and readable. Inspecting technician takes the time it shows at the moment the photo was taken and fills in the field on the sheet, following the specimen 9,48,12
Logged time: 2,44,28
